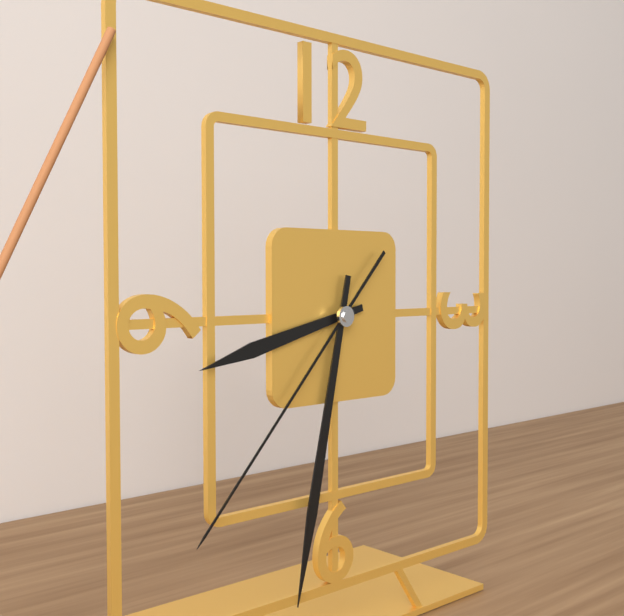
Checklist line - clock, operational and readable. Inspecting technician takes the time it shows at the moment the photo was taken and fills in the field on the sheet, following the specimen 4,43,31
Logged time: 8,32,37
